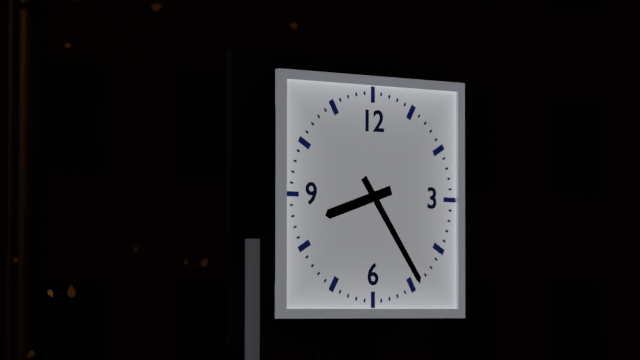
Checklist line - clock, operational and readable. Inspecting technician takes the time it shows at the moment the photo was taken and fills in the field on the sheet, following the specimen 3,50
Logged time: 8,24
